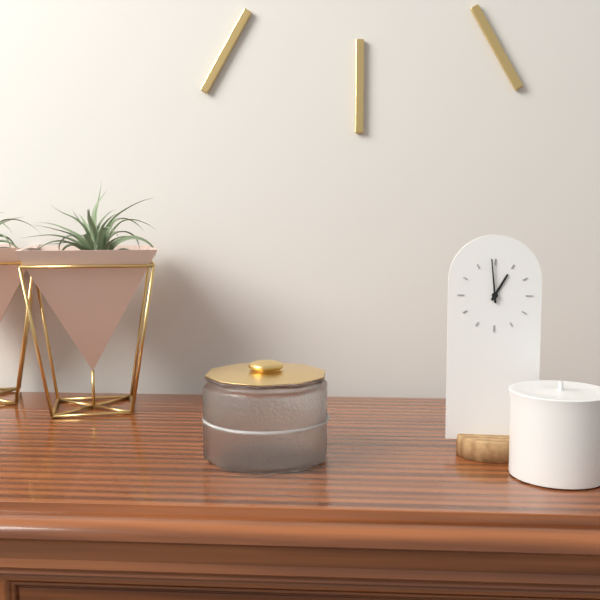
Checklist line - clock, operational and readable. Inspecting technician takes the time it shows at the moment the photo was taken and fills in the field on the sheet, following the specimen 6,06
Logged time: 12,59
